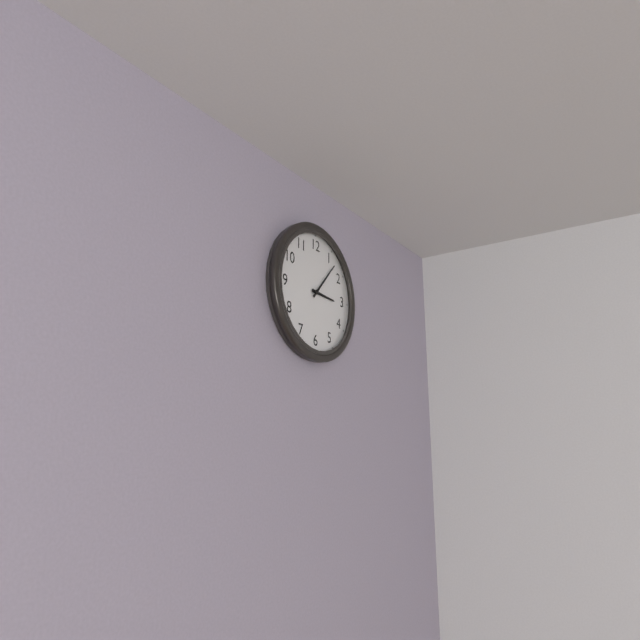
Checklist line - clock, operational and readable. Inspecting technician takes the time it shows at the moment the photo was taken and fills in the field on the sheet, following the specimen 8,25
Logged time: 3,07
